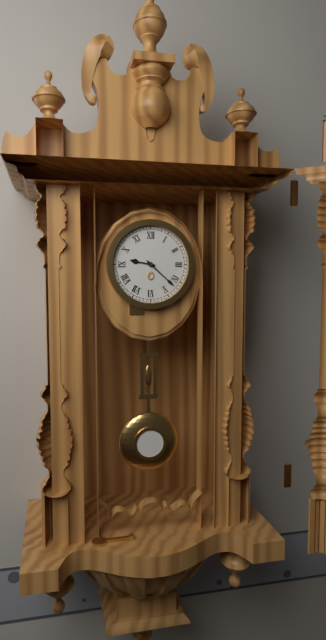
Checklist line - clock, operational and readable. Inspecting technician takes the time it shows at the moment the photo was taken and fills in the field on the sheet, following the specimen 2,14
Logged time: 9,22
